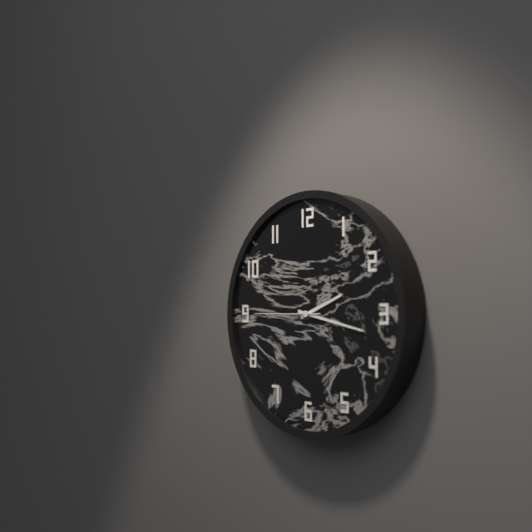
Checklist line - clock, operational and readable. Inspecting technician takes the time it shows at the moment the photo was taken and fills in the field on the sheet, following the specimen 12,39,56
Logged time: 2,17,45
